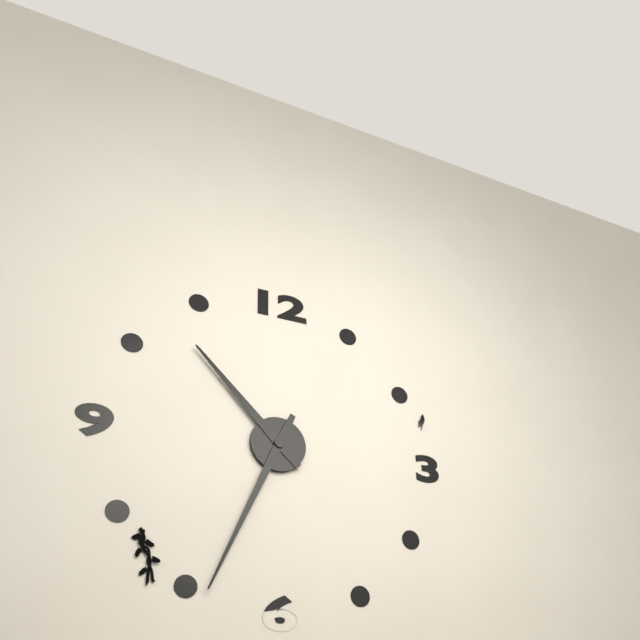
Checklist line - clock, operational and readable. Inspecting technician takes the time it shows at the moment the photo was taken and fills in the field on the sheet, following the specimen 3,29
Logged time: 10,34
